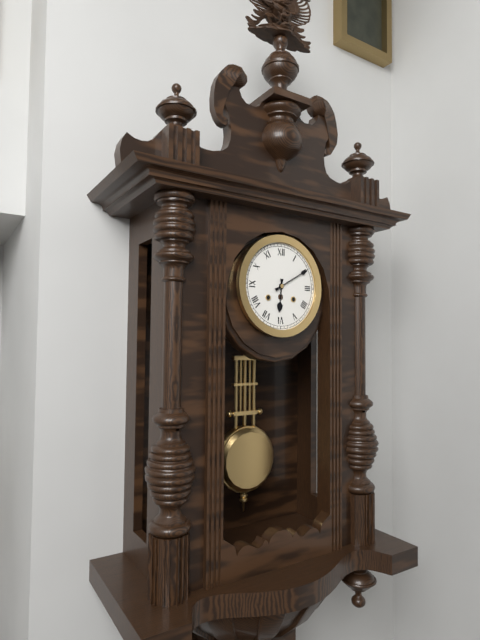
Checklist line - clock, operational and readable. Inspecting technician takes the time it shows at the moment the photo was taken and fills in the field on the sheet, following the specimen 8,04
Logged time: 6,10
